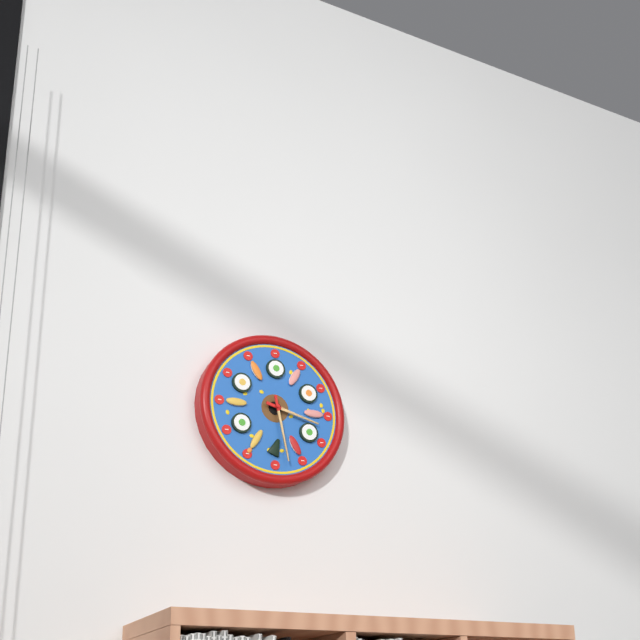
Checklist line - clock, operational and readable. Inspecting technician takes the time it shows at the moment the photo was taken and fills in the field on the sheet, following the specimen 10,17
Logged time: 3,28
